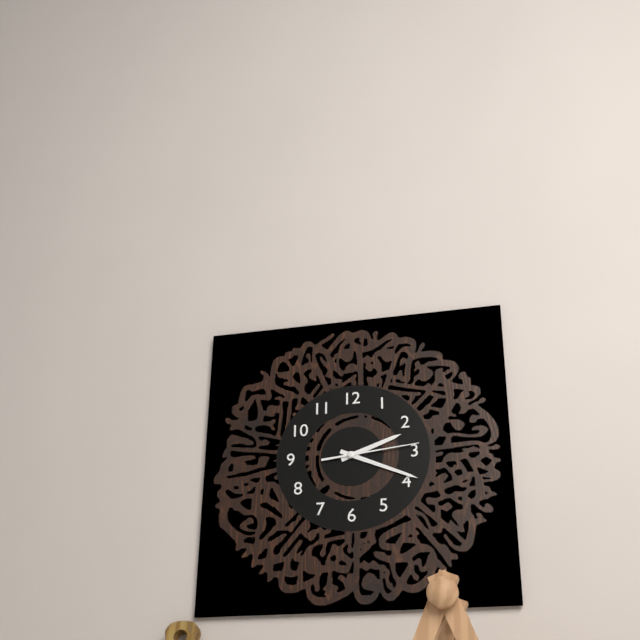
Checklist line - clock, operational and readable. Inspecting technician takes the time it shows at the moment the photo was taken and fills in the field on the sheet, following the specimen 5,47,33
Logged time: 2,19,14
